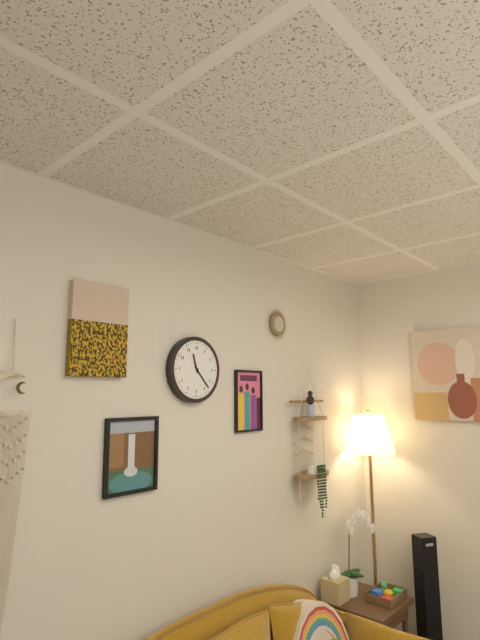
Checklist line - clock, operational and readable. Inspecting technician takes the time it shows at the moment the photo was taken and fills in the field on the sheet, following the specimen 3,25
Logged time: 11,23
